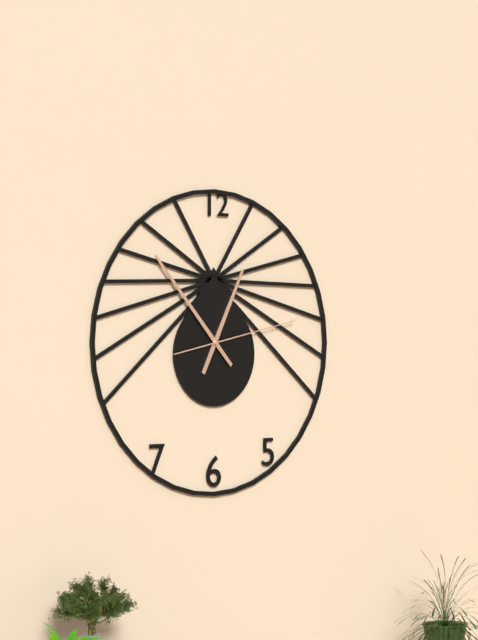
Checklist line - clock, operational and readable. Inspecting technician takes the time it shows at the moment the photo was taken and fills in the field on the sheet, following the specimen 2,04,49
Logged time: 12,53,13
